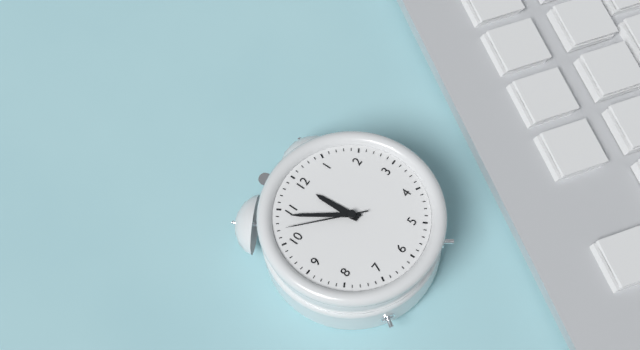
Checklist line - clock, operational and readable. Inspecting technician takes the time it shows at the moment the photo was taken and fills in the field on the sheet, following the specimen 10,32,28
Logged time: 11,54,52
